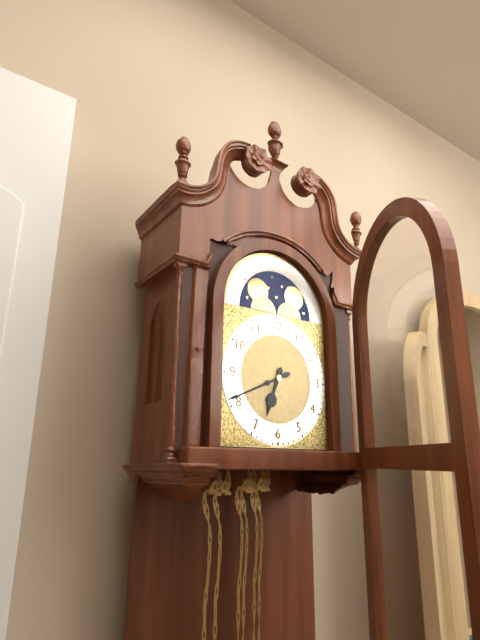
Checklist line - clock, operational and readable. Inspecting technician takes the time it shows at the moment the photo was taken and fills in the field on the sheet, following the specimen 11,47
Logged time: 6,41
